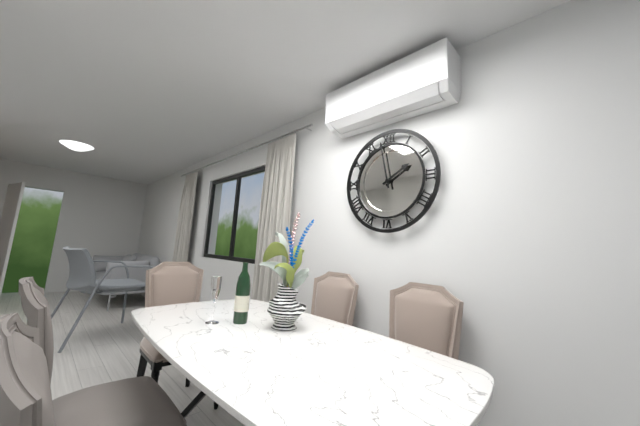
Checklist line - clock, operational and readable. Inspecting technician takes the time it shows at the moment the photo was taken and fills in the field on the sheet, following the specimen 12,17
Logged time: 1,58
